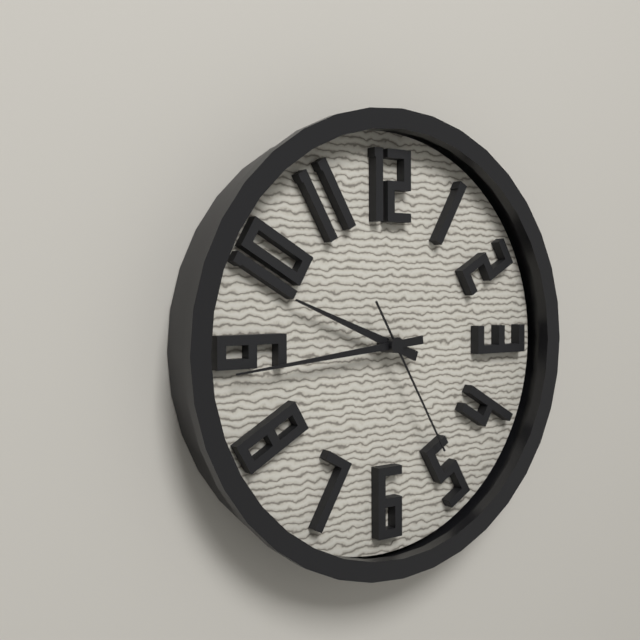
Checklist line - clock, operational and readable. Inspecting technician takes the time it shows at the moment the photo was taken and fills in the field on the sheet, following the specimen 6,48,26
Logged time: 9,44,25
